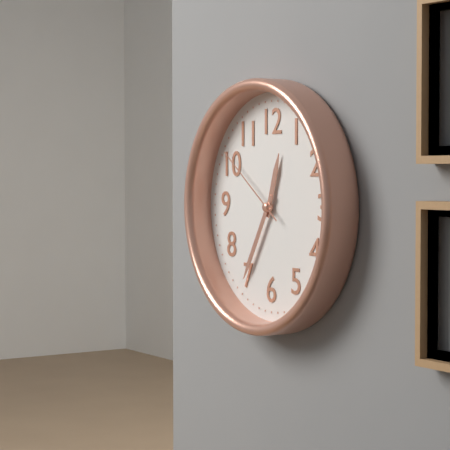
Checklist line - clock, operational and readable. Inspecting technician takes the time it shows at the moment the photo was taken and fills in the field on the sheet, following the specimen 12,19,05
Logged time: 12,35,51
